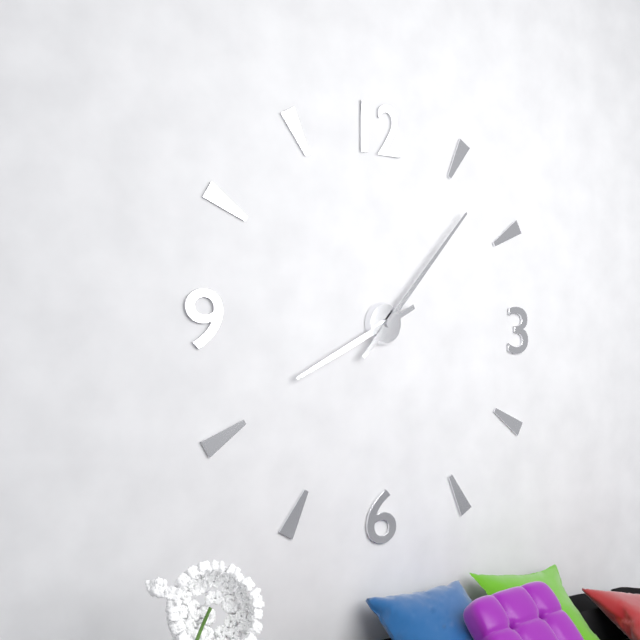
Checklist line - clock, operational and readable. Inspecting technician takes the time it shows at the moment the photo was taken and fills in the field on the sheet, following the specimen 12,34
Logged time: 8,07
